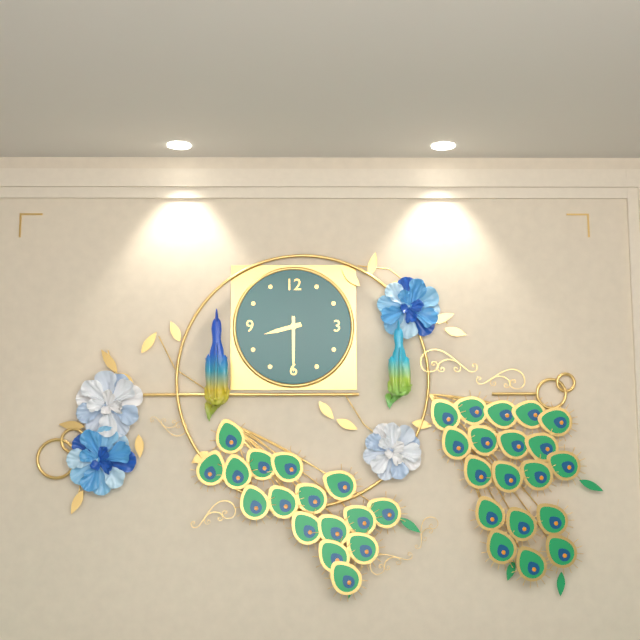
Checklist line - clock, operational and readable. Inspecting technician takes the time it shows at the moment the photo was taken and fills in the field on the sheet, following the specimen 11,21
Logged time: 8,30
